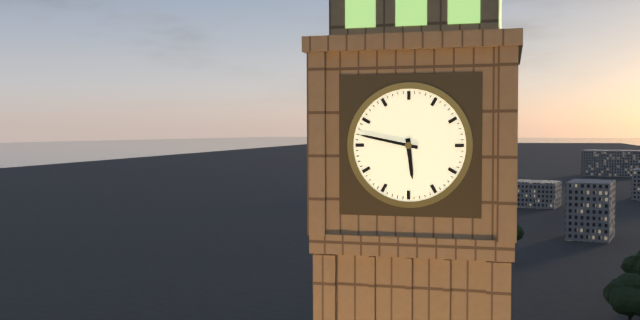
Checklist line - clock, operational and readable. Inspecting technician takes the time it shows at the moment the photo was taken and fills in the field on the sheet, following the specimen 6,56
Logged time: 5,47
